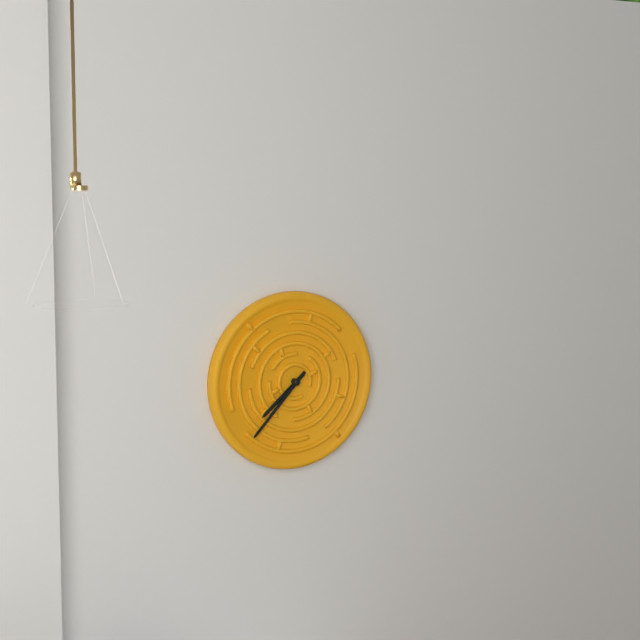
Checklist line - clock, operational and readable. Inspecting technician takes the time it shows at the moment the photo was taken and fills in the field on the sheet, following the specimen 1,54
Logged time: 7,37
